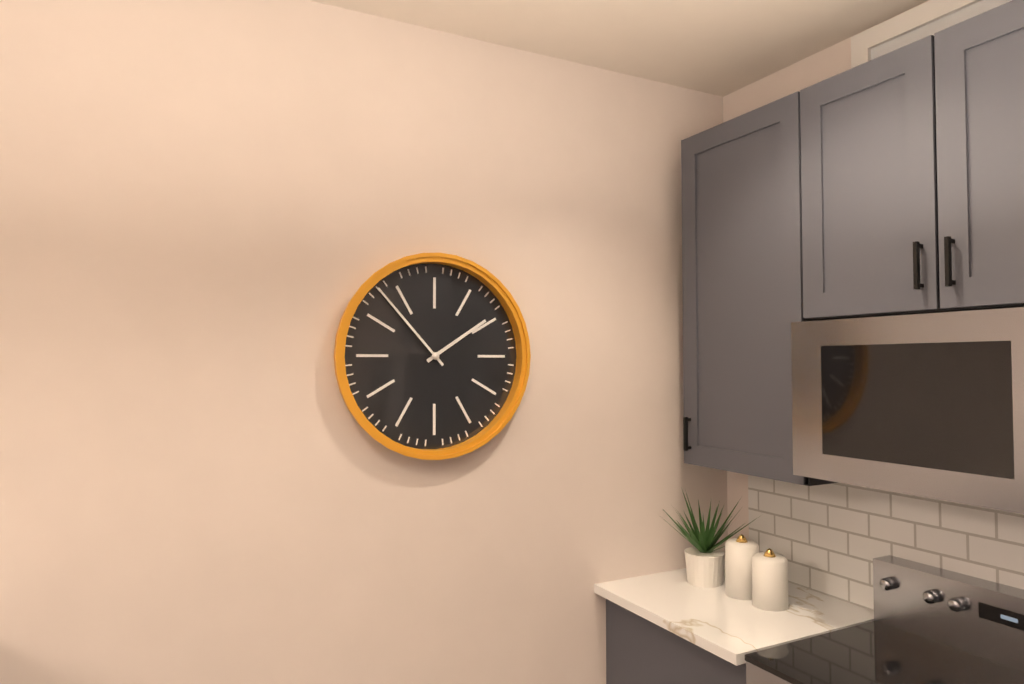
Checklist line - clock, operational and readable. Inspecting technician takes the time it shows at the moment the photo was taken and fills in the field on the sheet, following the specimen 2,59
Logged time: 1,53
